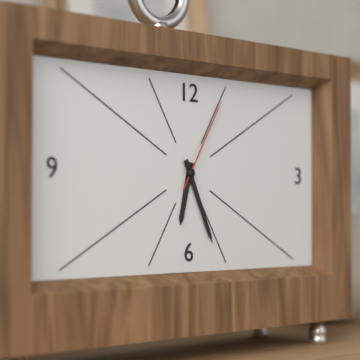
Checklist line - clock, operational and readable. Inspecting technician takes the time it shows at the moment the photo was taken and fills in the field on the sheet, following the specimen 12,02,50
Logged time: 6,26,05
